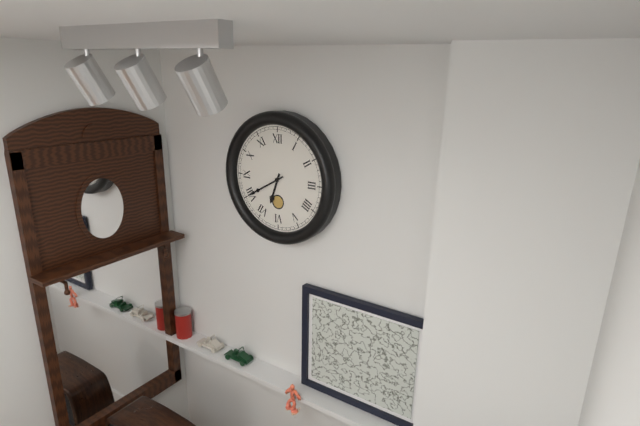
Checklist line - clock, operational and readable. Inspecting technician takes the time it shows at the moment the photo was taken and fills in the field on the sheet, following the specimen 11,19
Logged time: 6,40
